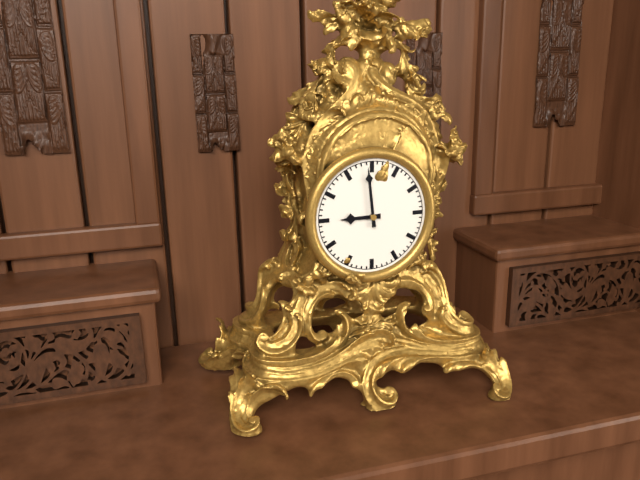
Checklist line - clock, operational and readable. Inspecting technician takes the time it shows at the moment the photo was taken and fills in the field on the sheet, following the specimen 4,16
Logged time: 8,59
